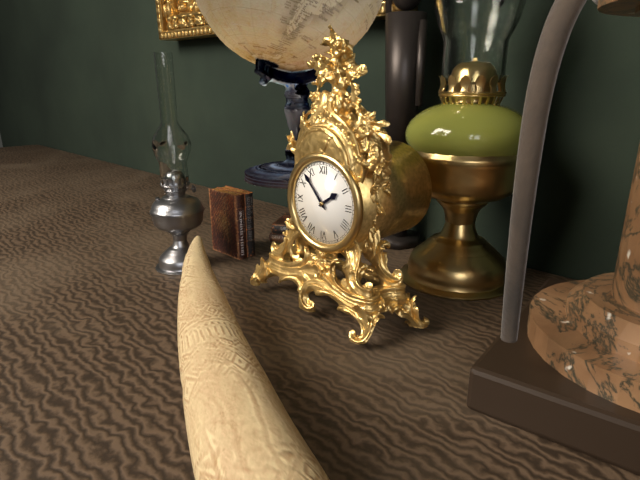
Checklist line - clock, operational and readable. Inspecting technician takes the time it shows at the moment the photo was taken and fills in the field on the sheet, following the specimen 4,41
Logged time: 1,53
